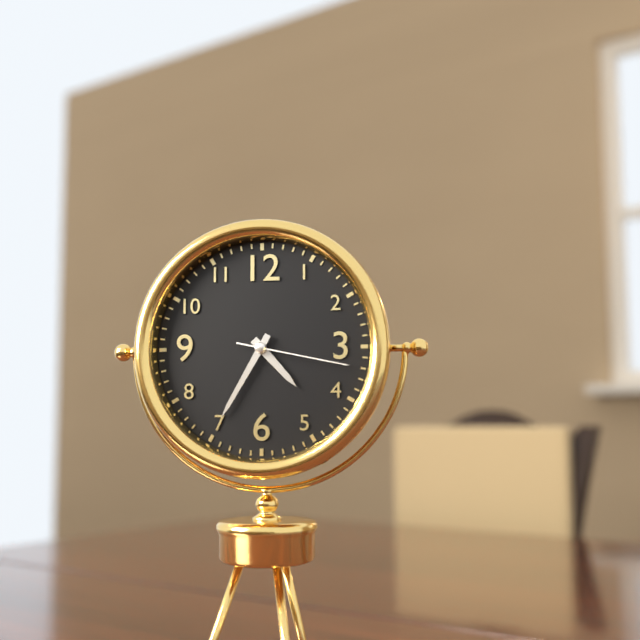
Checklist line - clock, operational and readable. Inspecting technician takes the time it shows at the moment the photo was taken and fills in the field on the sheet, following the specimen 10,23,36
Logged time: 4,35,17
